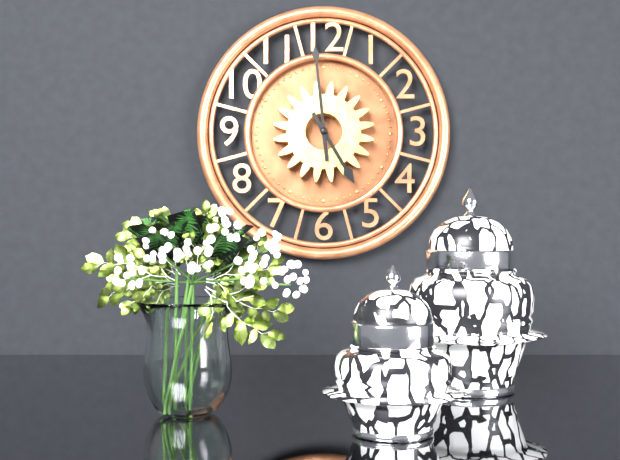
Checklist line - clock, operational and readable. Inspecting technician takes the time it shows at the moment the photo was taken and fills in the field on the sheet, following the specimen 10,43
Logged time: 4,59
